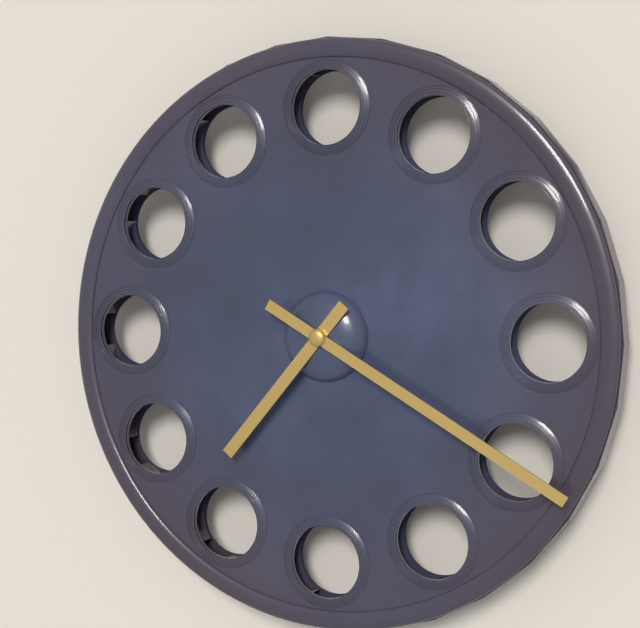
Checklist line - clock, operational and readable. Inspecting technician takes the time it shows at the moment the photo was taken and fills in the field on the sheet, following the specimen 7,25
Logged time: 7,20
